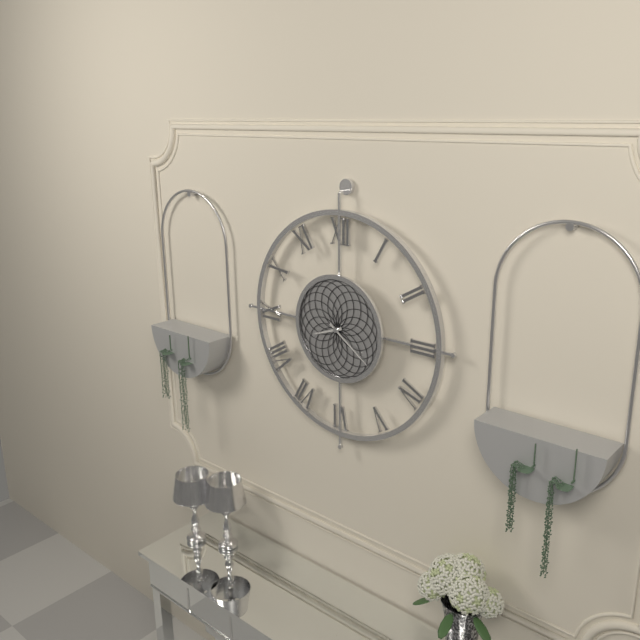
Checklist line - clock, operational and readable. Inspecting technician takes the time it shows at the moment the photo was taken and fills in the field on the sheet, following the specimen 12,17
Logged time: 8,21
